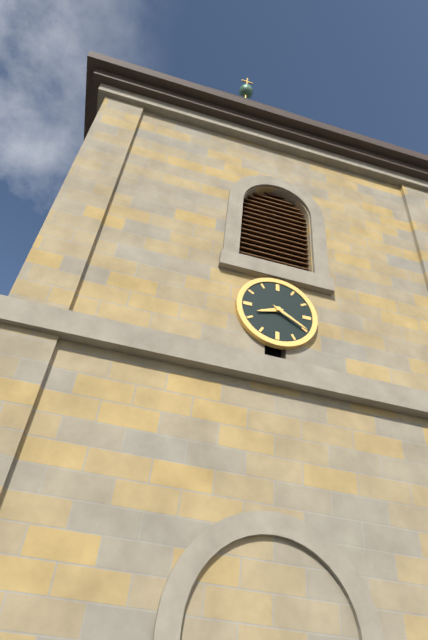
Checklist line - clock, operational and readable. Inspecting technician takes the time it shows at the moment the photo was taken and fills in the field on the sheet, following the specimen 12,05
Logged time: 8,20
